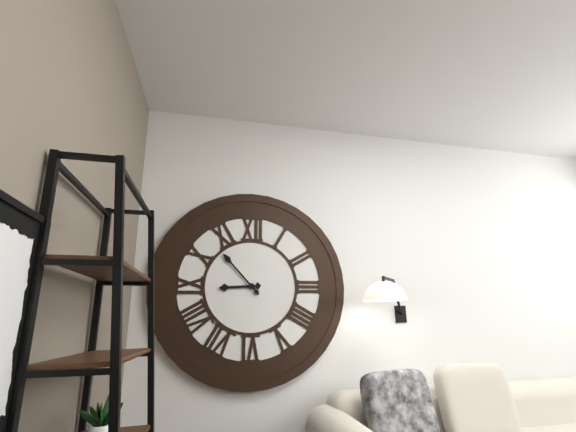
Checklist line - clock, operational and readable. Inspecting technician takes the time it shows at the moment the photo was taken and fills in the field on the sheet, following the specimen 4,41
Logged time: 8,53
